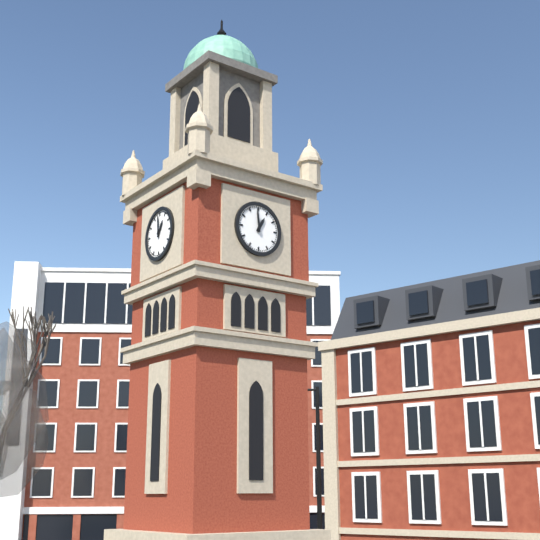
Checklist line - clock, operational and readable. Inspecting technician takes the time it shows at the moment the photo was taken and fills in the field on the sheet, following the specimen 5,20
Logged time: 12,59
